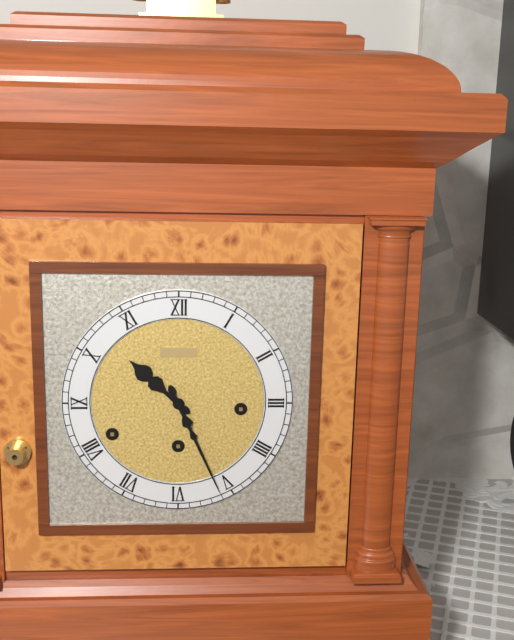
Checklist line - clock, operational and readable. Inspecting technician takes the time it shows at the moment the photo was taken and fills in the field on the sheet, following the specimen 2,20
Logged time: 10,26
